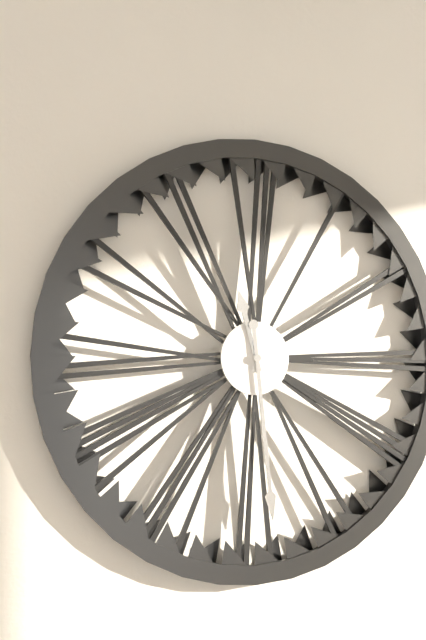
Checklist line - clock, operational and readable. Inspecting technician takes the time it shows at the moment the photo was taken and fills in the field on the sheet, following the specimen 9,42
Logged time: 11,29
